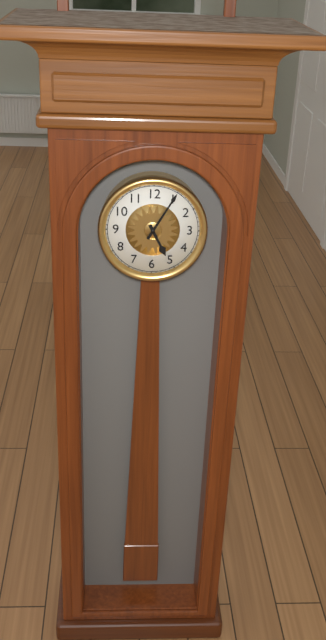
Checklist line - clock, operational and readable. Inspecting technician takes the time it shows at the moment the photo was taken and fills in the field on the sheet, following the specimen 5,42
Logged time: 5,05
